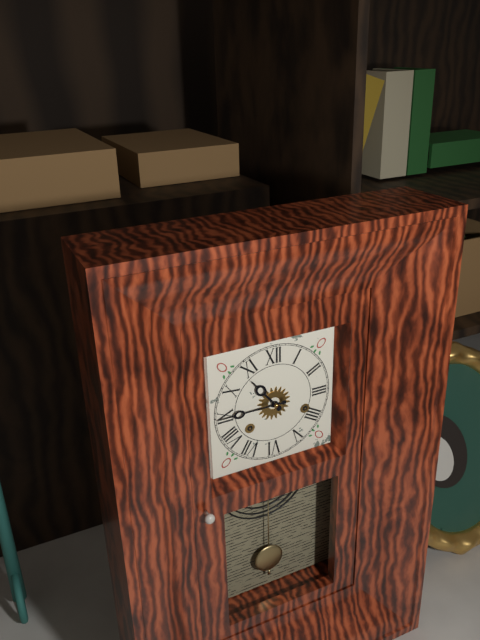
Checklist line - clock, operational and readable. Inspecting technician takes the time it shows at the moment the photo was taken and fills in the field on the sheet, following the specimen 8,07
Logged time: 10,45
